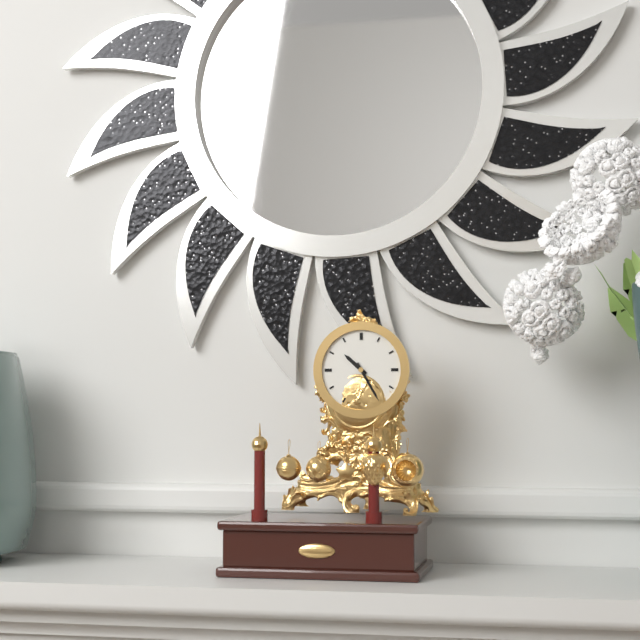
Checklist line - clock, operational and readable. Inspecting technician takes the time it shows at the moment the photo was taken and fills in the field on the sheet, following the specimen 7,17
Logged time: 10,25
